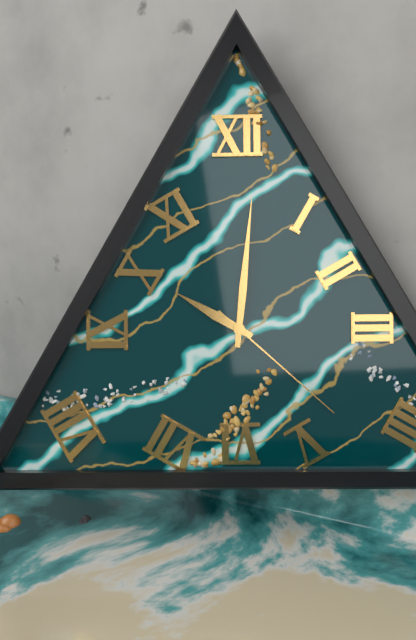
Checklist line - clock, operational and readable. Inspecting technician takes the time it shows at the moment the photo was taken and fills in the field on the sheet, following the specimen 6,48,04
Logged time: 10,01,22
